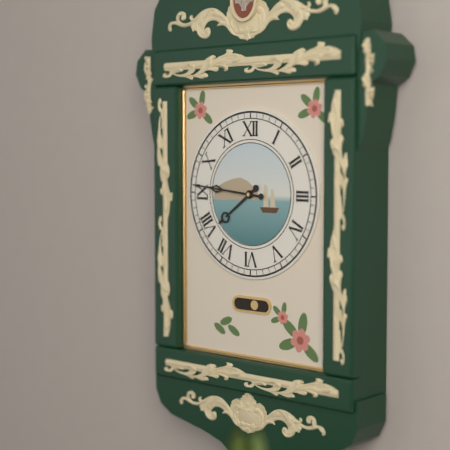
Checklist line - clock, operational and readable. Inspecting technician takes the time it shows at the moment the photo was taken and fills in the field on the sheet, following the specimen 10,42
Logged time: 7,46
